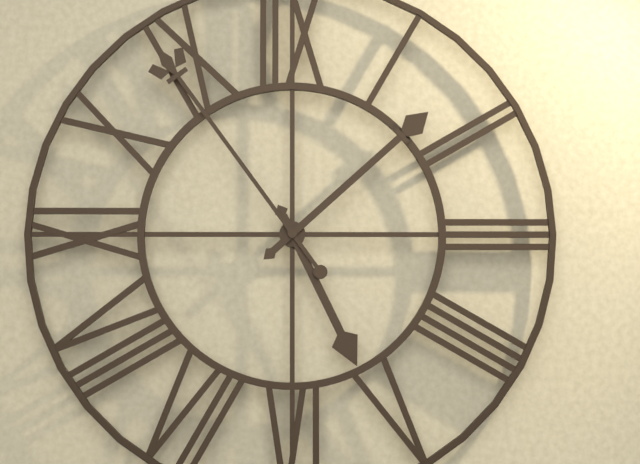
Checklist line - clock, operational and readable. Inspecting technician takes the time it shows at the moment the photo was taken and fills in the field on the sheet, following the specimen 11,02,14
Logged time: 5,08,54
